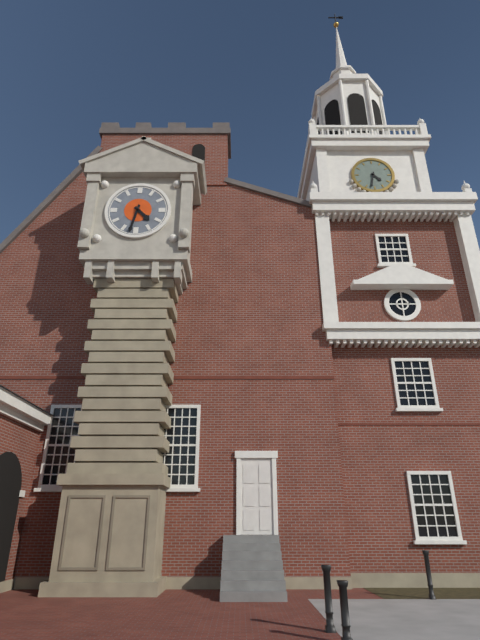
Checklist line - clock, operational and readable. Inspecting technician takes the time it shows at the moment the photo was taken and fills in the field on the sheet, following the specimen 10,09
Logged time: 4,32
